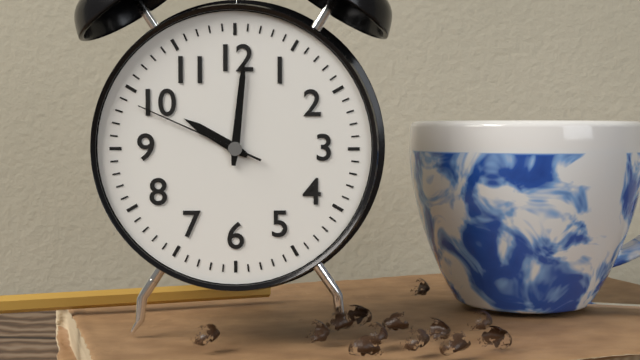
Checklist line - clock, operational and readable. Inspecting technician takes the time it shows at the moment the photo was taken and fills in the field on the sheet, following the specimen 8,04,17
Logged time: 10,01,49
